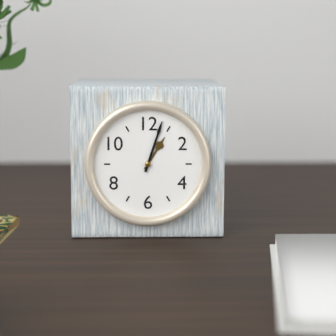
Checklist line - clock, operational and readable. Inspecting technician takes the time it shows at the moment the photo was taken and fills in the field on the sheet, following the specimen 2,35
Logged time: 1,03
